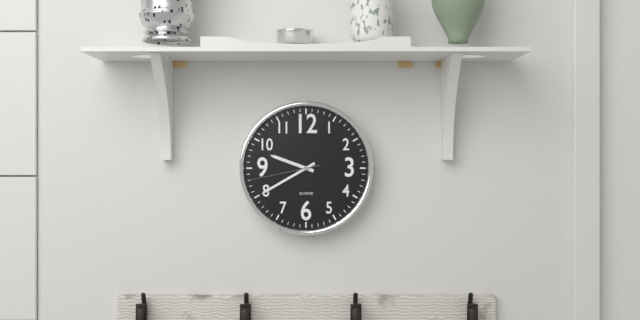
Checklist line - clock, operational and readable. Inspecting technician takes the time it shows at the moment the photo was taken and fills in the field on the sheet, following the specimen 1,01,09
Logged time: 9,40,43
